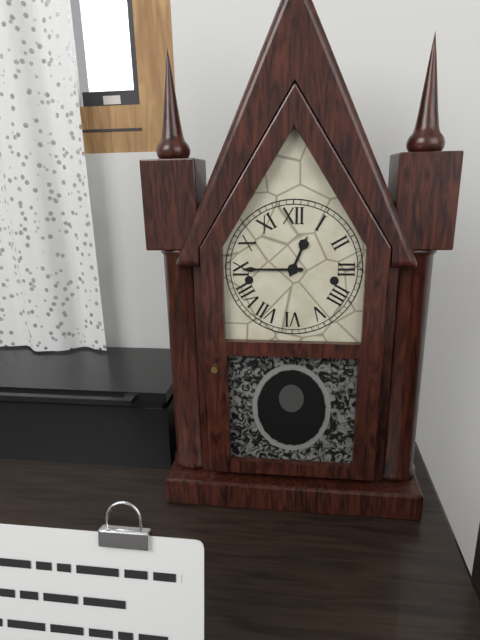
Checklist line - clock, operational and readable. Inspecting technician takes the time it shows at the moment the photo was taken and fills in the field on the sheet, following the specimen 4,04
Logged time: 12,45
